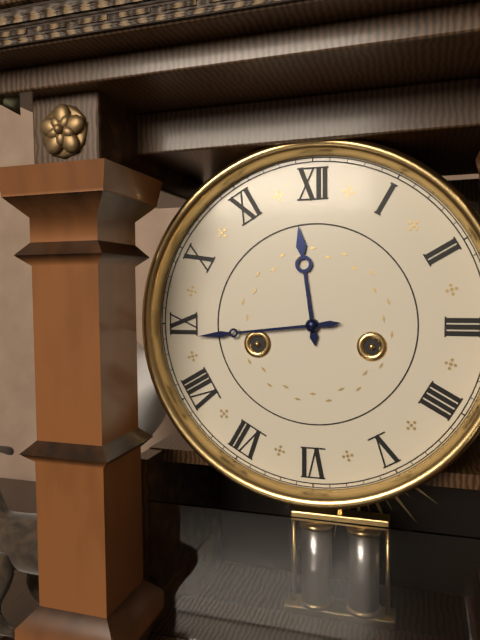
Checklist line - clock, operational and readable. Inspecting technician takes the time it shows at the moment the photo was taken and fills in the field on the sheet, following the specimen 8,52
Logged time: 11,44
